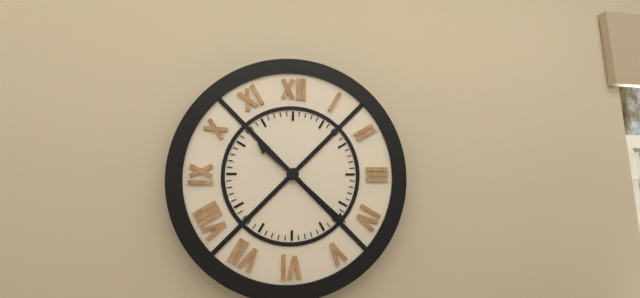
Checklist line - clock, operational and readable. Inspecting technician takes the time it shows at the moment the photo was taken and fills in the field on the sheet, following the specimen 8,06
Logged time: 10,22
